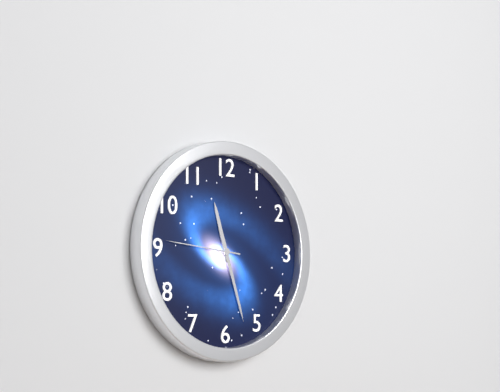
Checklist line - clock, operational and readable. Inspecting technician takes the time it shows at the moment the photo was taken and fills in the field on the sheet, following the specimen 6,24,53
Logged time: 11,27,46
